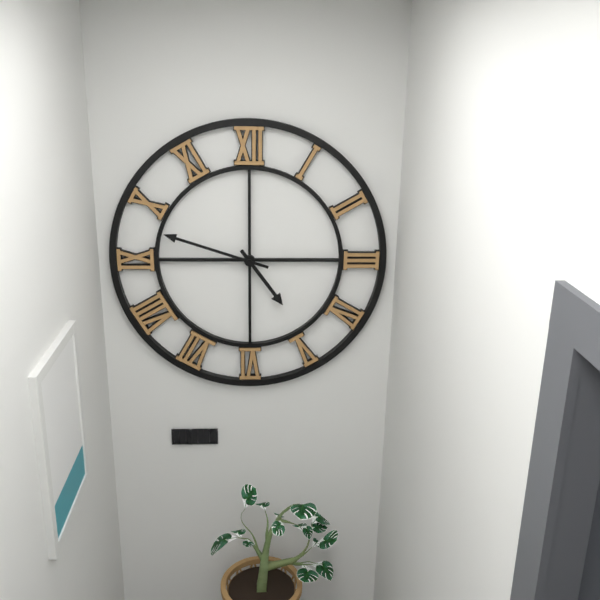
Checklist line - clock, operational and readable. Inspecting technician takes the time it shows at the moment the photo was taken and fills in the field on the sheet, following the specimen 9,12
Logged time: 4,48
